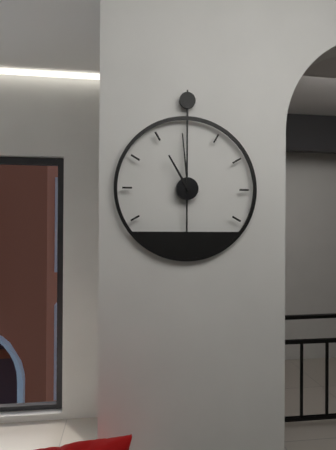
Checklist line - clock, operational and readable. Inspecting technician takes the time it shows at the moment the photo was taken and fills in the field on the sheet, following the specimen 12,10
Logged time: 10,59
